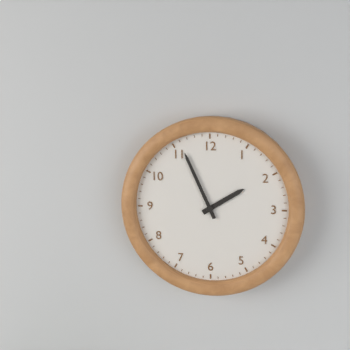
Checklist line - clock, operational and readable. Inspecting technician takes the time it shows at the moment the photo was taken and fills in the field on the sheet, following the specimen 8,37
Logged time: 1,56
